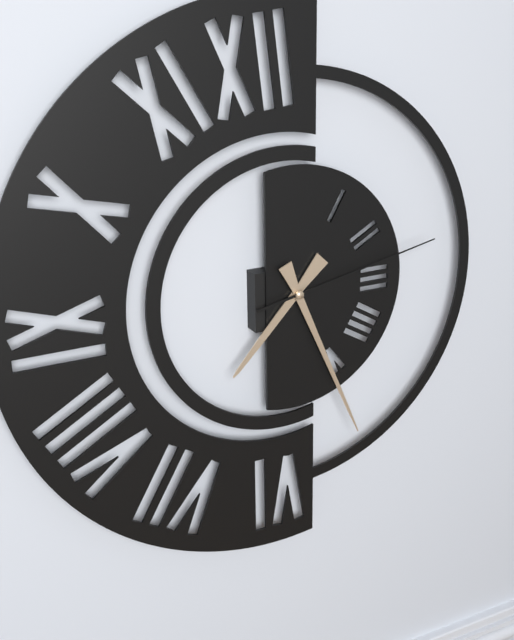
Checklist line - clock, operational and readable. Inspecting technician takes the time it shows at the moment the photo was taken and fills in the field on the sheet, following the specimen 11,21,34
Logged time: 7,26,13
